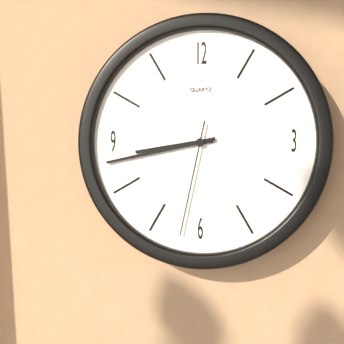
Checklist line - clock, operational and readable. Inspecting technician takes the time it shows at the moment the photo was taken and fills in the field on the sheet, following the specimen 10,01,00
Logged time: 8,43,32
